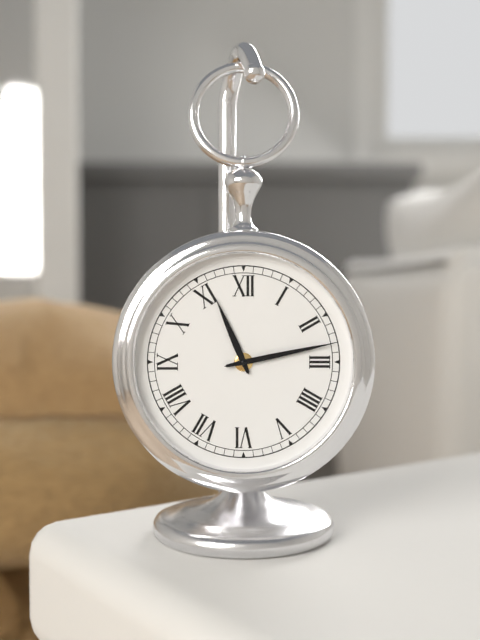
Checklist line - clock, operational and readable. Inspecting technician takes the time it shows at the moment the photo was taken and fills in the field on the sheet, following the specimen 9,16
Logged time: 11,13
